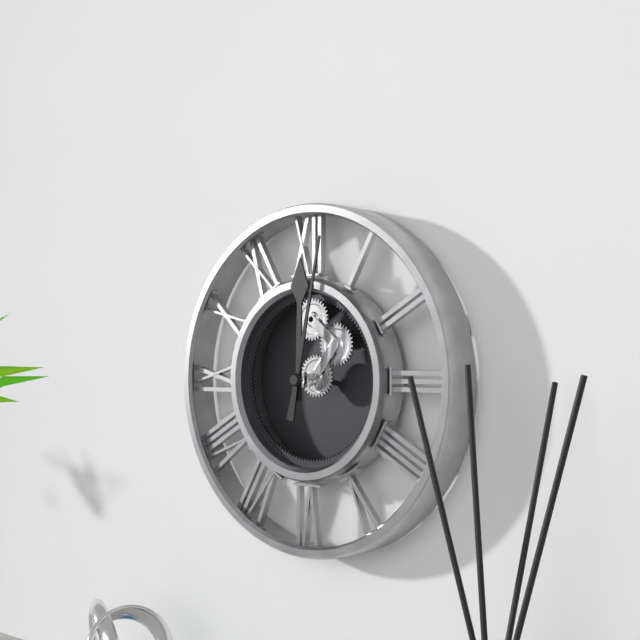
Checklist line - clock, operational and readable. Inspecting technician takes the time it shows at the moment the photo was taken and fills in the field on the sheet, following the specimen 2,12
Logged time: 12,02
